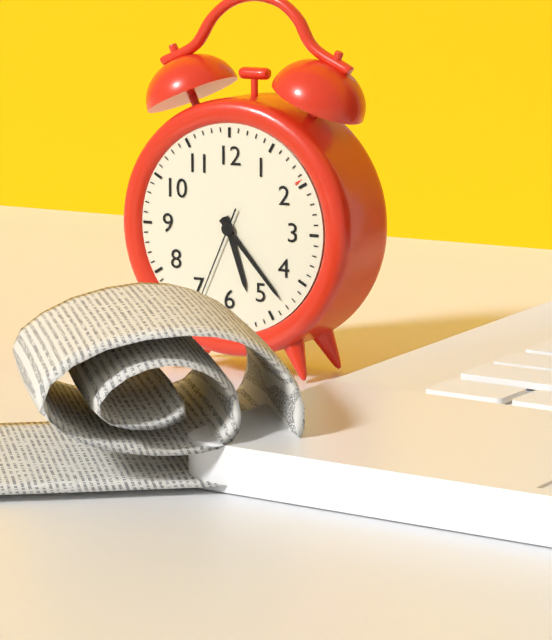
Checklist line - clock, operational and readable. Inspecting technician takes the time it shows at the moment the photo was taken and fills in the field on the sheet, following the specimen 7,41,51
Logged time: 5,23,34
